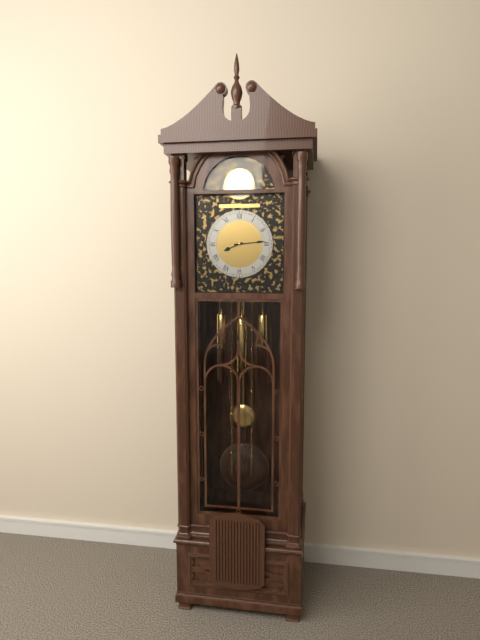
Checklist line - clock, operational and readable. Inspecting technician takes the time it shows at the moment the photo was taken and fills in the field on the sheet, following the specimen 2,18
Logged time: 8,14
